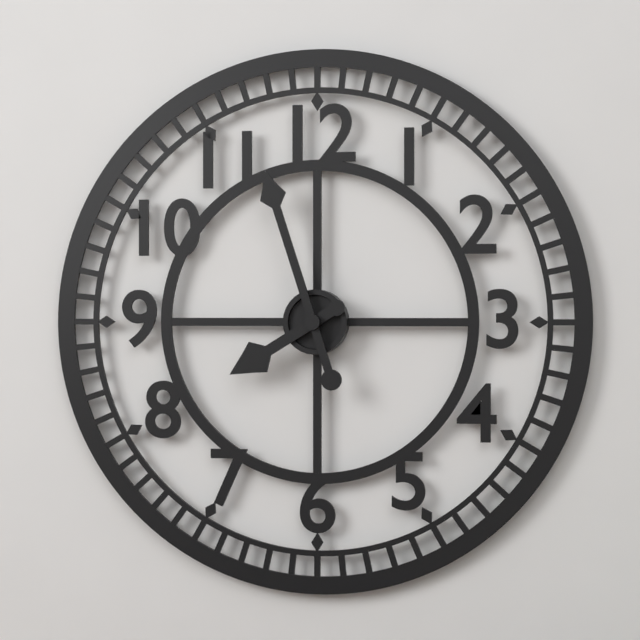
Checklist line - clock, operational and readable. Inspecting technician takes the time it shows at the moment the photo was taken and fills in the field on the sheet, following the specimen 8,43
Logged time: 7,57
